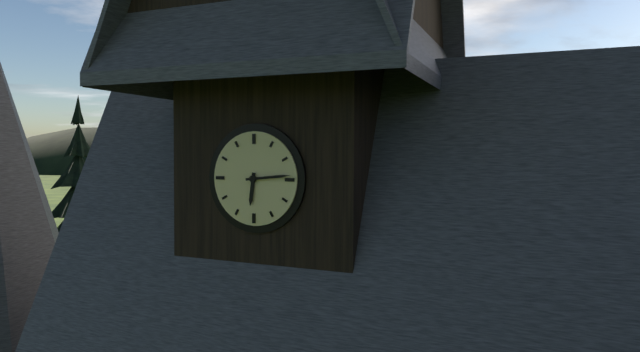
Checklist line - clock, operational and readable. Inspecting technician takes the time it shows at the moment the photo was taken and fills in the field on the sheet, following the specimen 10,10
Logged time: 6,14
